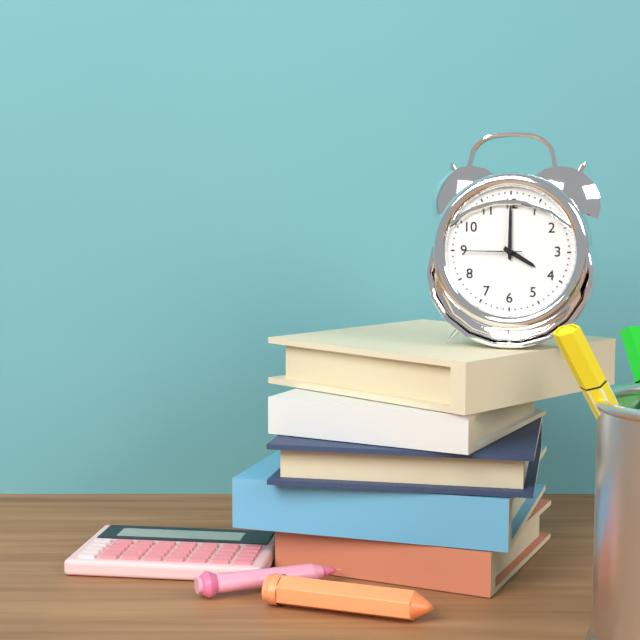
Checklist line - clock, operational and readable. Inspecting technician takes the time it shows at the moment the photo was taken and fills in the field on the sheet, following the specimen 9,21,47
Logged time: 4,00,45
